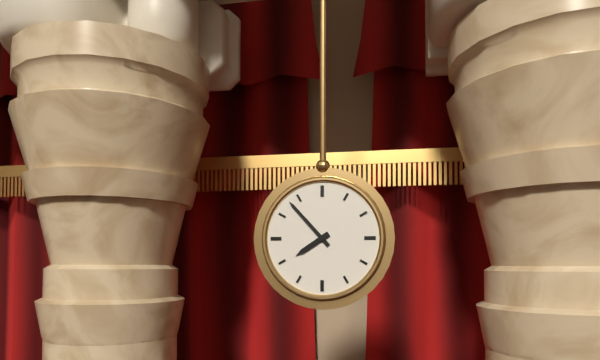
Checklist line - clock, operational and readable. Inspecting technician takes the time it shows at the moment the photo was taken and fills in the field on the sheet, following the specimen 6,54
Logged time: 7,53
